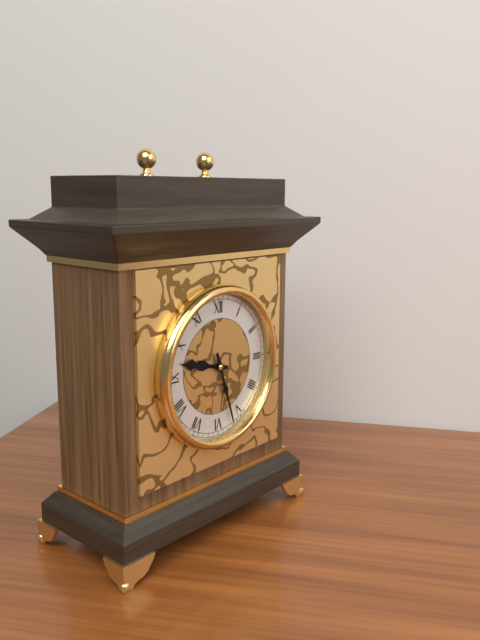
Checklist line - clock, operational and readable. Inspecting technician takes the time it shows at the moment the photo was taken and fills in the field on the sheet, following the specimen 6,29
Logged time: 9,27
